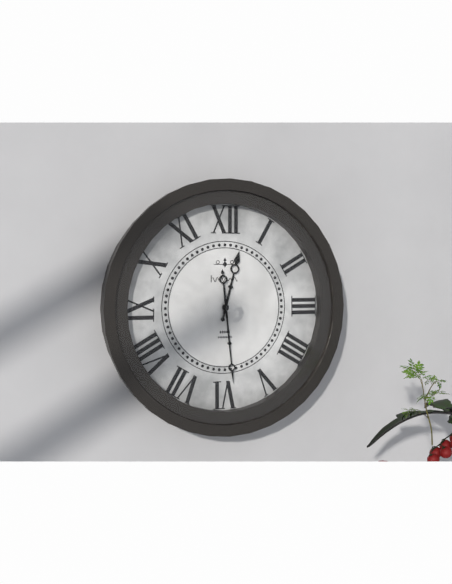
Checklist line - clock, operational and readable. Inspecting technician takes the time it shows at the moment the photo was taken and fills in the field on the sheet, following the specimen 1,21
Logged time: 12,29
